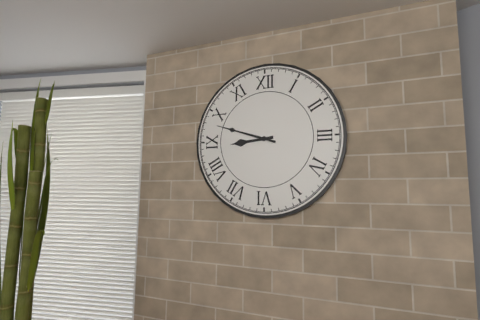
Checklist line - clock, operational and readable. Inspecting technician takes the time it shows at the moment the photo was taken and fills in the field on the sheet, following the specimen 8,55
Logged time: 8,48
